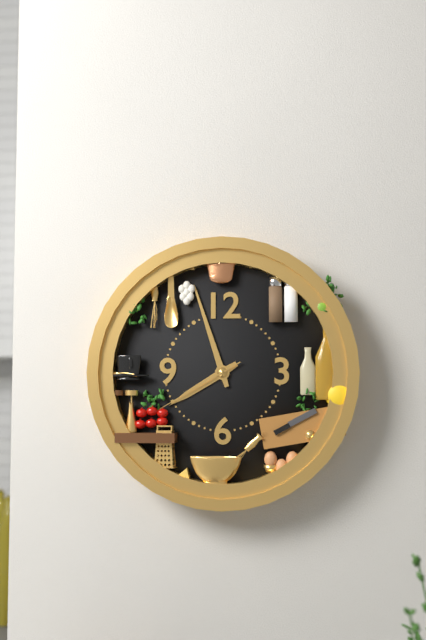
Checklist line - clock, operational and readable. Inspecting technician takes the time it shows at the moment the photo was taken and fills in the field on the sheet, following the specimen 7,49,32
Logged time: 7,57,40
